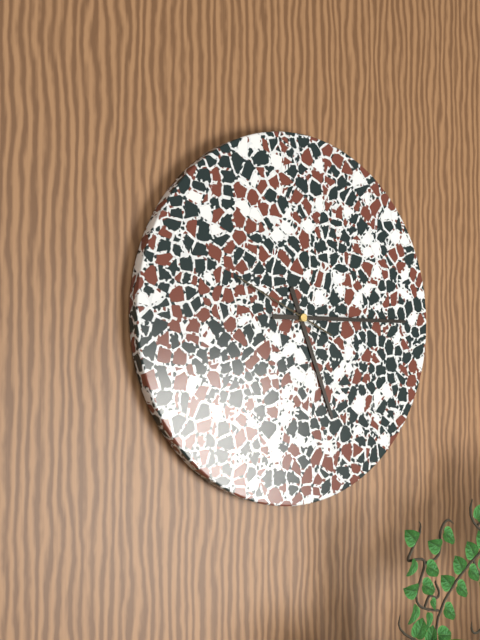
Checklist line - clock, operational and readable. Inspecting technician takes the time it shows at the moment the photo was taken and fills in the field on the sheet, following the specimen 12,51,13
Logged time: 5,15,49
